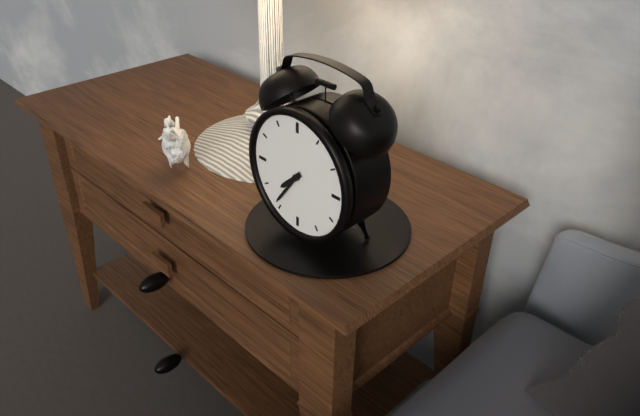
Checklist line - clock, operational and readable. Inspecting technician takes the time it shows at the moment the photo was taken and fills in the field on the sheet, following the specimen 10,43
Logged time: 7,36
